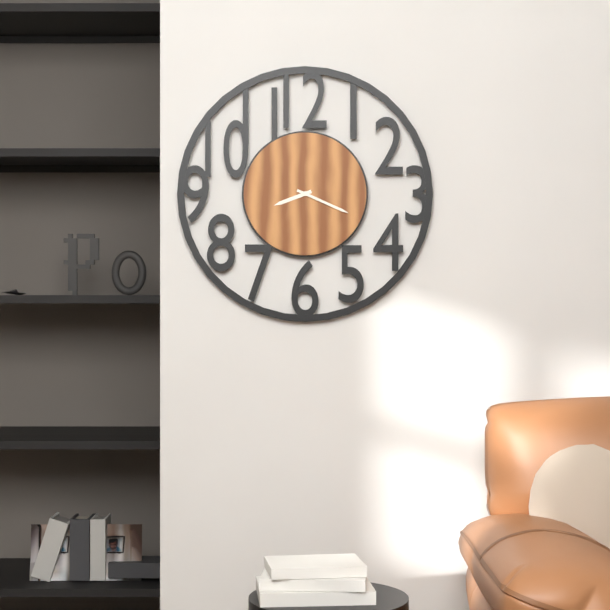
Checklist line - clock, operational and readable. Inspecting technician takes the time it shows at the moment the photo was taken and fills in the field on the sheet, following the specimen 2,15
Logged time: 8,19
